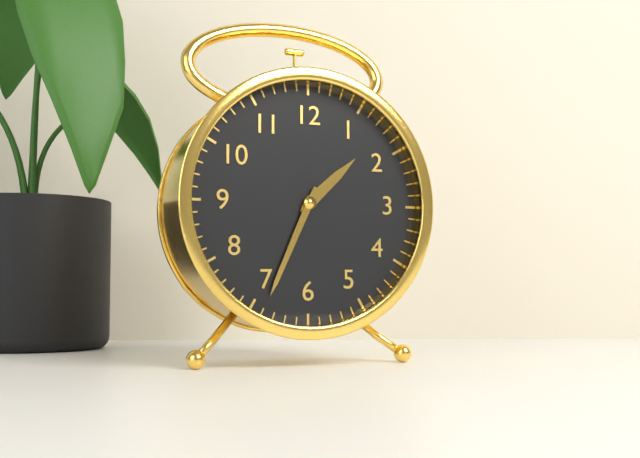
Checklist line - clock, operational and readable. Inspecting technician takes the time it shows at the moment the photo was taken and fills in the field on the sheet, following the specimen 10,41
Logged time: 1,34
